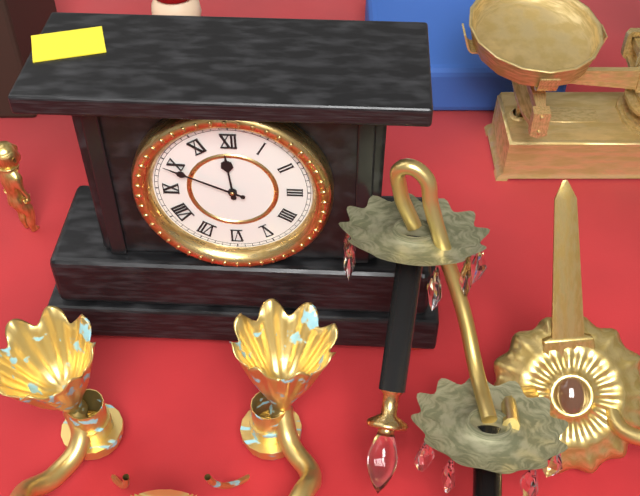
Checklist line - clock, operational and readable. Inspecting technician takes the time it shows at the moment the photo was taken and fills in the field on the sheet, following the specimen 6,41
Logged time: 11,49
